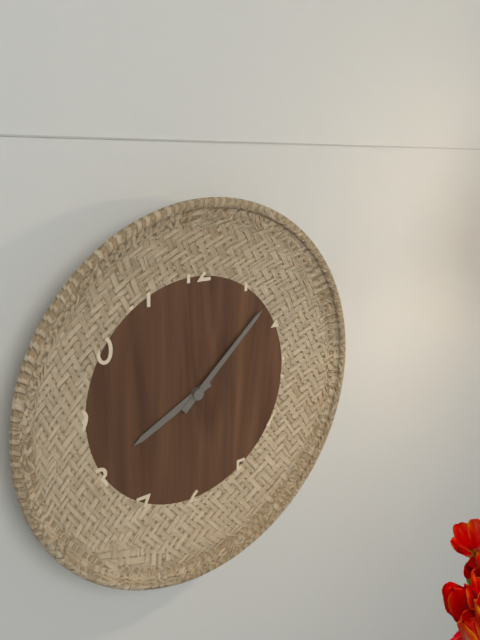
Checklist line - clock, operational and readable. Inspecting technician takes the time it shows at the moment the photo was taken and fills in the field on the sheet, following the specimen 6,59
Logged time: 8,08
